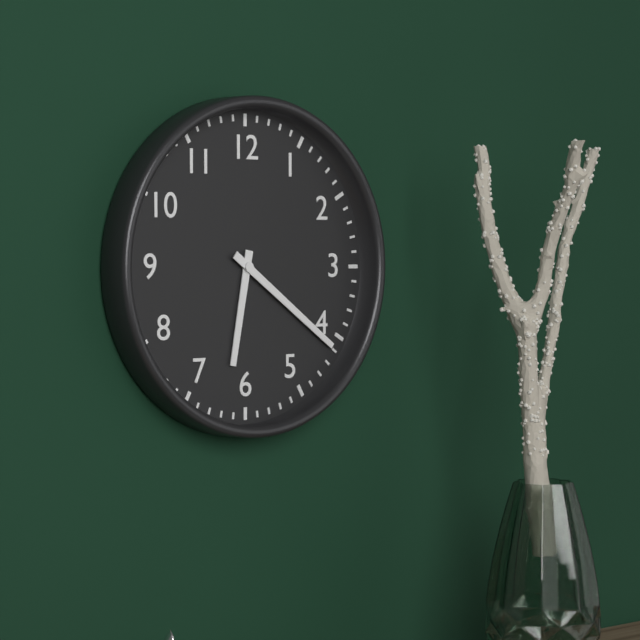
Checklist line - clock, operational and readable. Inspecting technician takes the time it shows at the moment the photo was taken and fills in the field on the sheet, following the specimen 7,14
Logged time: 6,21
